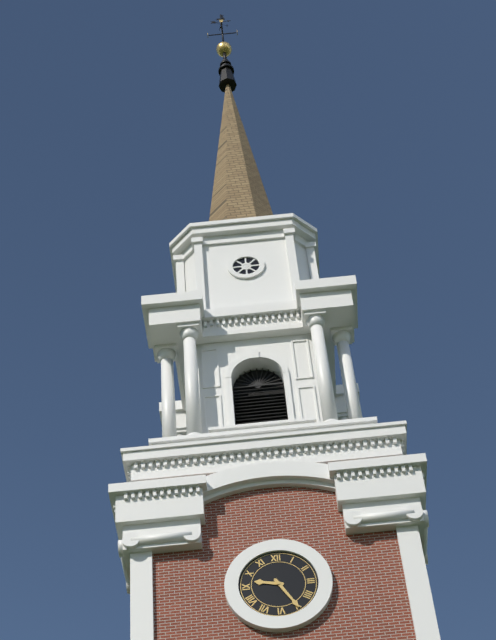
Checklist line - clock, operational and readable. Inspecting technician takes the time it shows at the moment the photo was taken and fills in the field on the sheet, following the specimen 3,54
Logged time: 9,25
